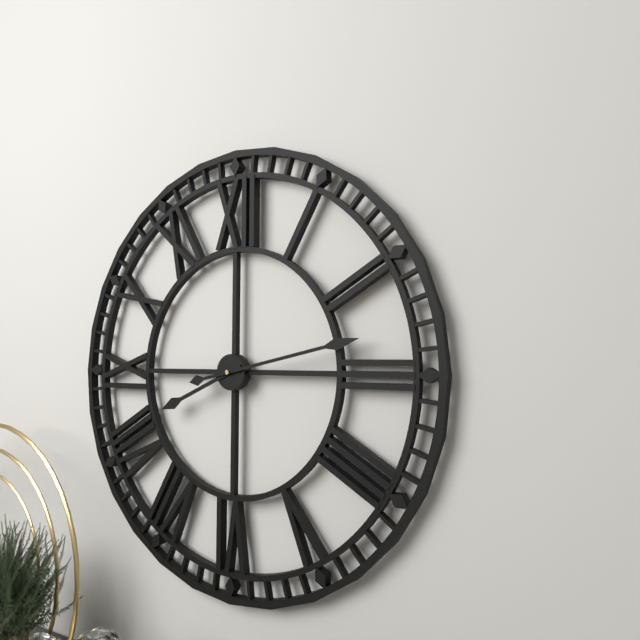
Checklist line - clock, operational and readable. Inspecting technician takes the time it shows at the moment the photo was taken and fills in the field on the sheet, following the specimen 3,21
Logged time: 8,13
